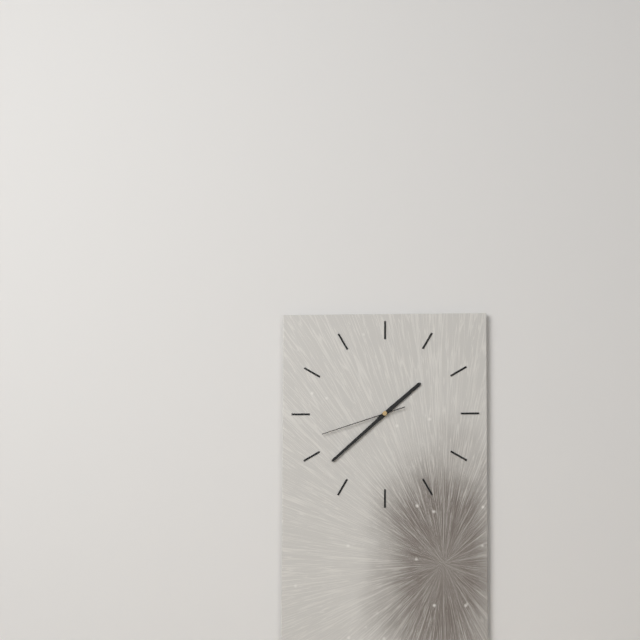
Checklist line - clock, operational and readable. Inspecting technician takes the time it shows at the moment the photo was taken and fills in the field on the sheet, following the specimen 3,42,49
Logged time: 1,38,42
